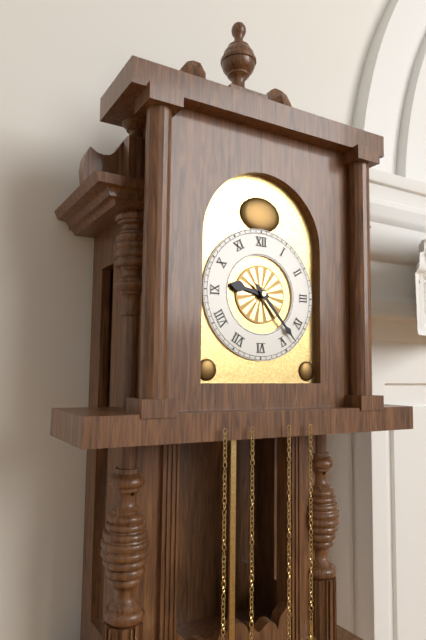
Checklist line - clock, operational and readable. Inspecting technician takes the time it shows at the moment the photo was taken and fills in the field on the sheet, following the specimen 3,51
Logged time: 9,23
